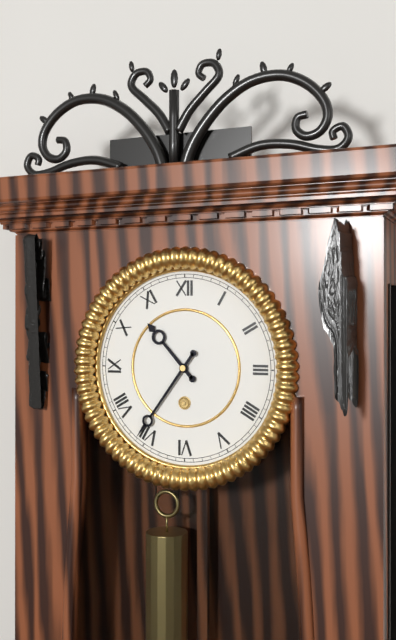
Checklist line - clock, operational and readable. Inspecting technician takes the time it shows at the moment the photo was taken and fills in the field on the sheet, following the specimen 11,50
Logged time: 10,36
